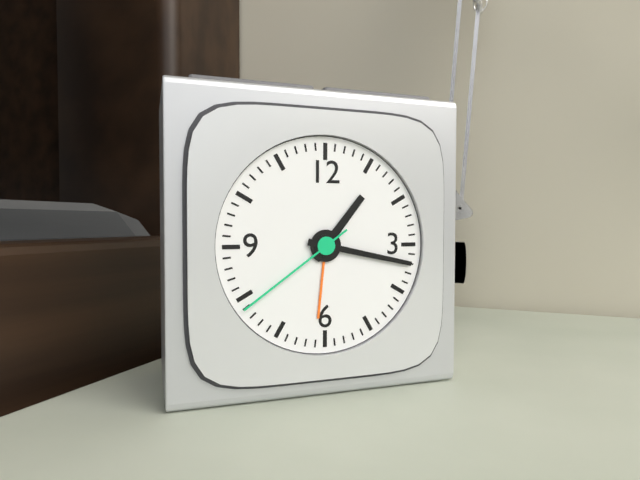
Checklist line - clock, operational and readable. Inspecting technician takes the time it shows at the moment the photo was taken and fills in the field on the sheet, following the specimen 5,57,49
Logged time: 1,17,39
